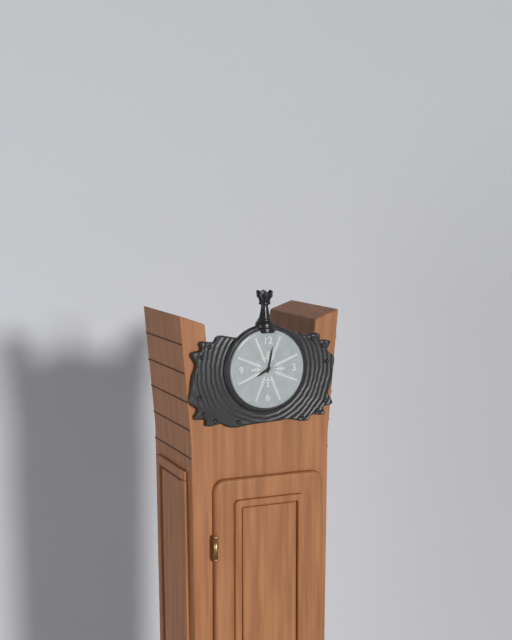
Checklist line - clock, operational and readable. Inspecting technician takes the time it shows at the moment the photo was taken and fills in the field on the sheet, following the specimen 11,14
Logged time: 8,02
